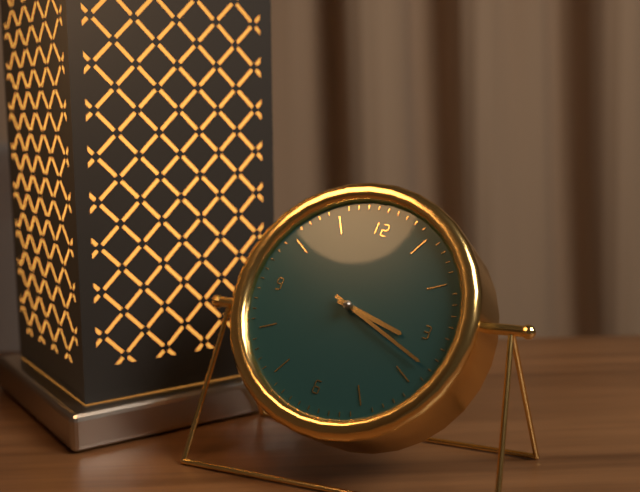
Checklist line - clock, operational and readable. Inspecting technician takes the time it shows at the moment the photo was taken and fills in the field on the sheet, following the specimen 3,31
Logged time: 3,18
